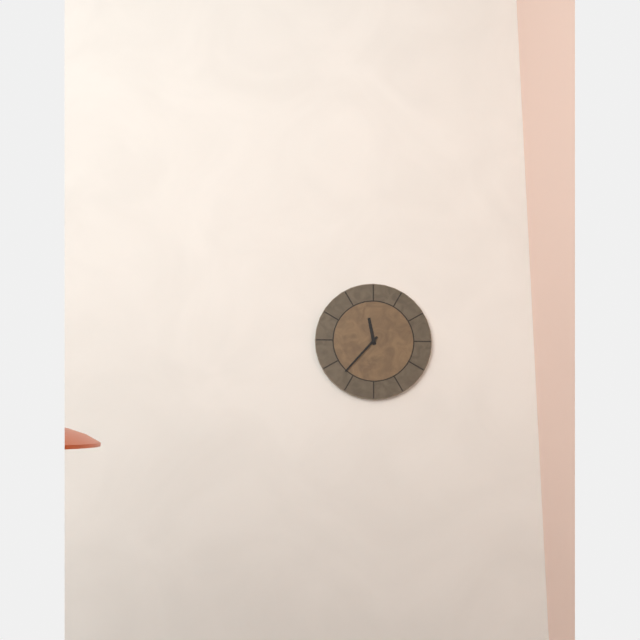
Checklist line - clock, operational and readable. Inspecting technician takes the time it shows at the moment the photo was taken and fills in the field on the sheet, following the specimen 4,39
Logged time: 11,37
